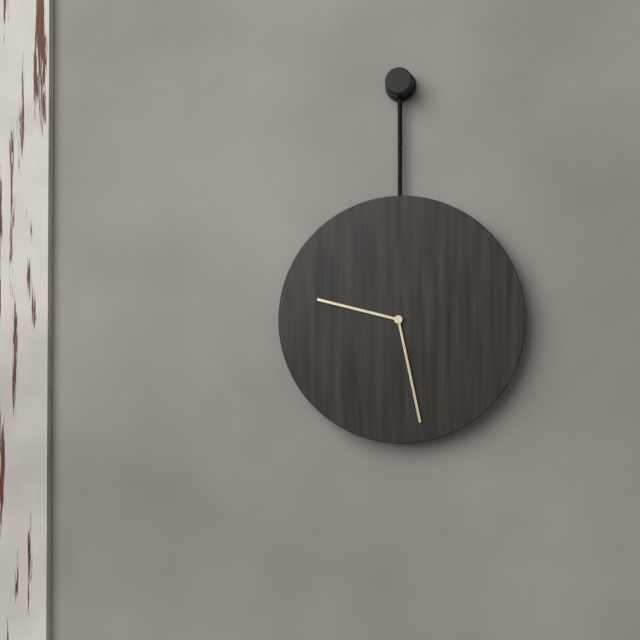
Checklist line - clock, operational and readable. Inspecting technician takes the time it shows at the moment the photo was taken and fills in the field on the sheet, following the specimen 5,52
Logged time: 9,28
